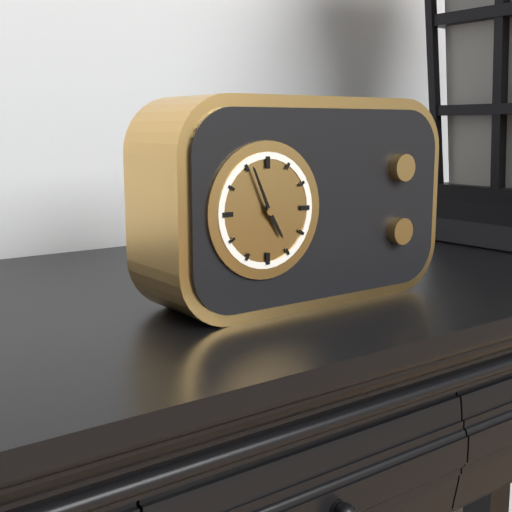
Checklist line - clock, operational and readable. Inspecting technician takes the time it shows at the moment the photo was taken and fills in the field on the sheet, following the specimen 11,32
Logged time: 4,56
